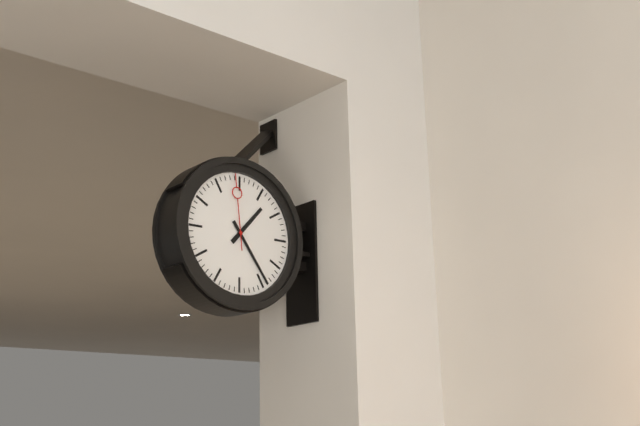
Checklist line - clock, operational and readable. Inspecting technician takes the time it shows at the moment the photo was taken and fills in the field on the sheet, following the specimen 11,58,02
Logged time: 1,24,59
